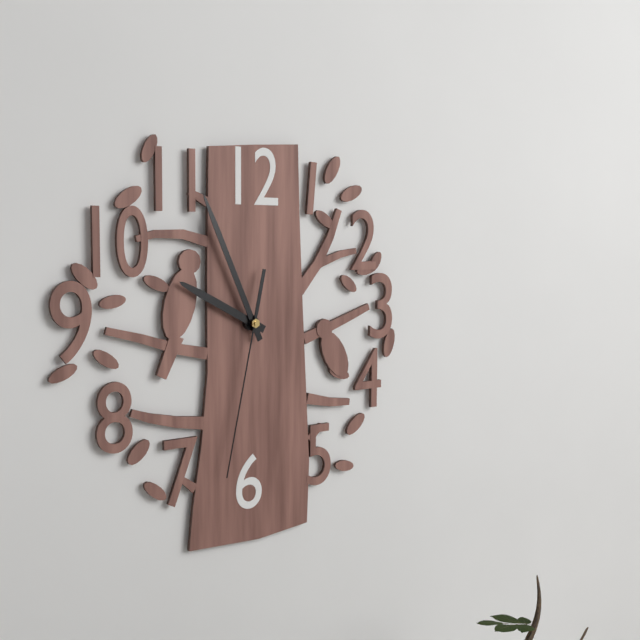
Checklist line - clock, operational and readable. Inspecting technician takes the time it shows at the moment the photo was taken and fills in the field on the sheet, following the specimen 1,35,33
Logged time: 9,56,32
